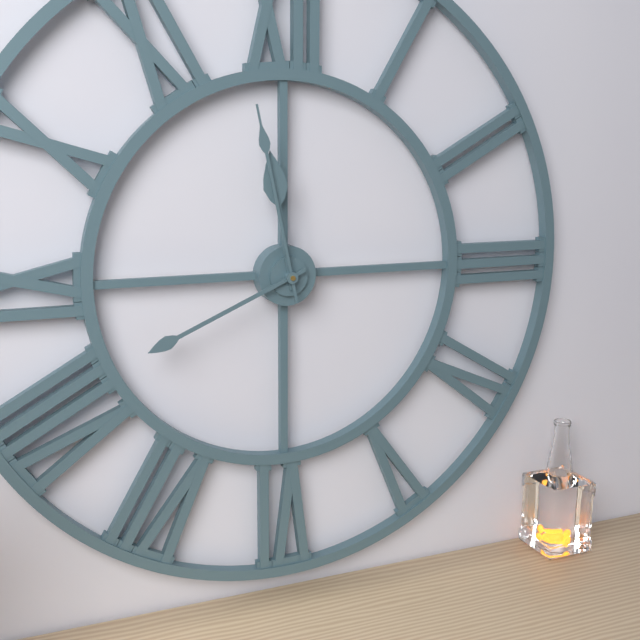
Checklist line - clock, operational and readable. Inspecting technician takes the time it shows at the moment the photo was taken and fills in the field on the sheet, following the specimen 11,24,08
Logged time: 11,41,58
